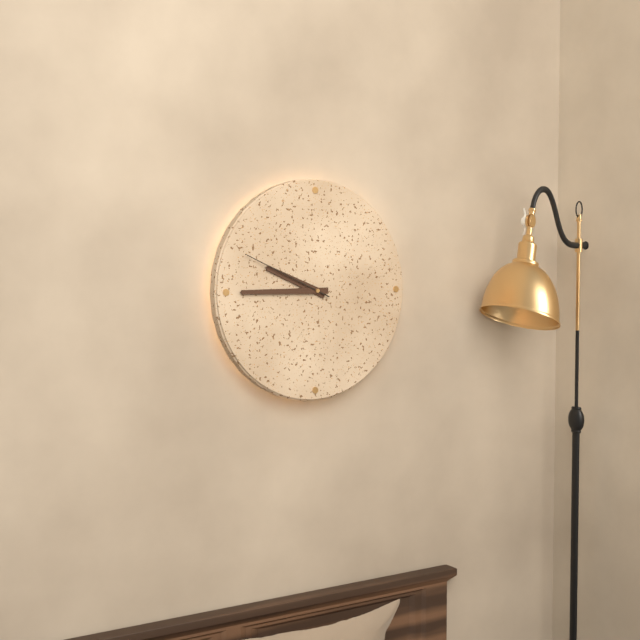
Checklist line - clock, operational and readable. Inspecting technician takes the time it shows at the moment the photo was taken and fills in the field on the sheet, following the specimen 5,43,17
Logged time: 9,45,49
